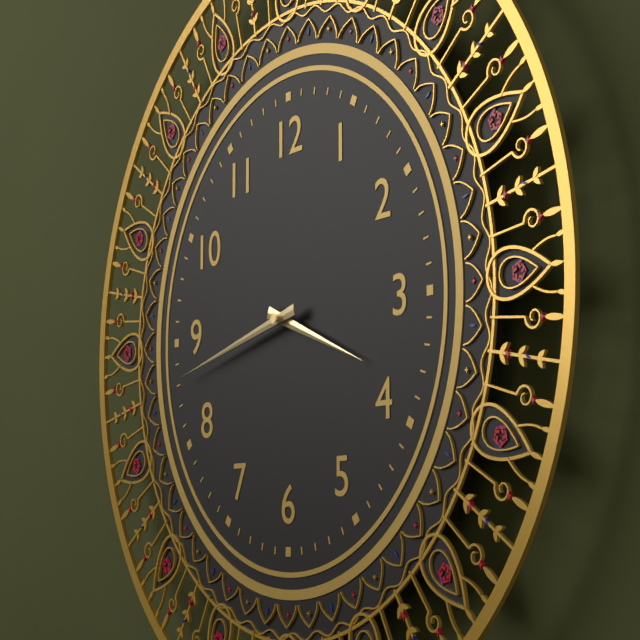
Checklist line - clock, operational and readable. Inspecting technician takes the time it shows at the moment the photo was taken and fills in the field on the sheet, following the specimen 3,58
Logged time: 3,43
